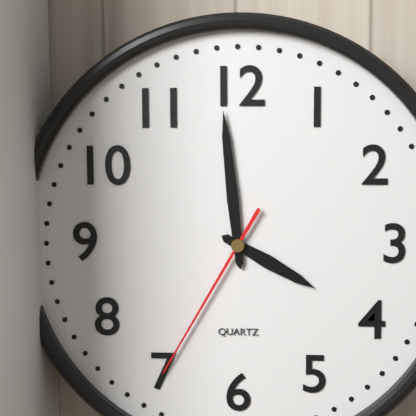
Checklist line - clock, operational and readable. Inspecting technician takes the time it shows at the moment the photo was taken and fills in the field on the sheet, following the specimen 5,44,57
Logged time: 3,59,35
